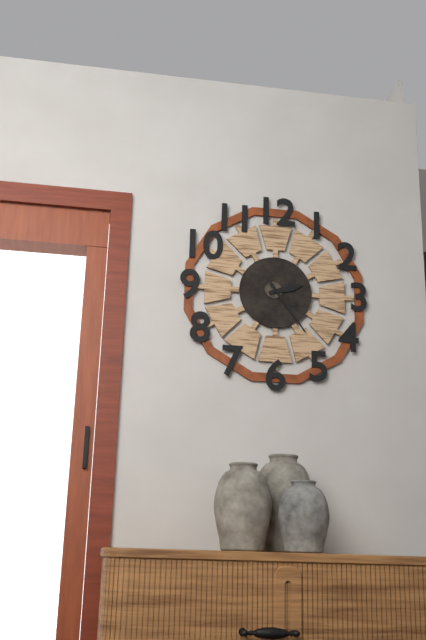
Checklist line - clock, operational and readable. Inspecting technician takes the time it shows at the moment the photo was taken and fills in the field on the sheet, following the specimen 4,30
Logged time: 2,24
